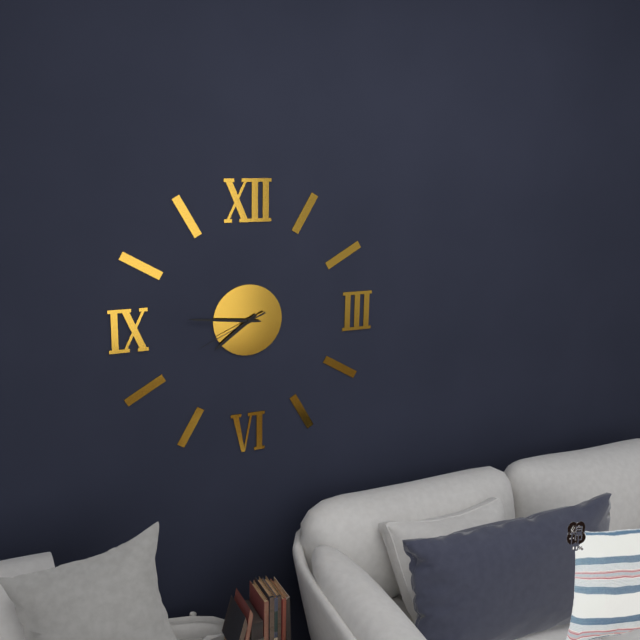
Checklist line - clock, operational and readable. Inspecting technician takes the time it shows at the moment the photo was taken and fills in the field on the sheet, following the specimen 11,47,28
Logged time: 7,46,41
